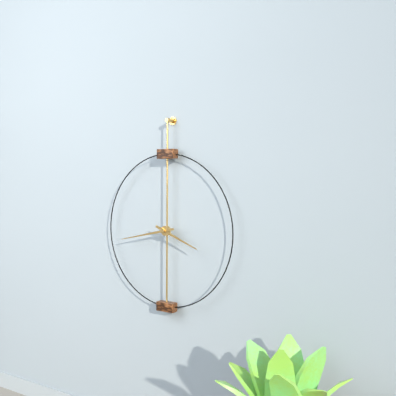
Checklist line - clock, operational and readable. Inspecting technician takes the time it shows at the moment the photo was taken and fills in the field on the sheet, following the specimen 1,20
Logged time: 3,43
